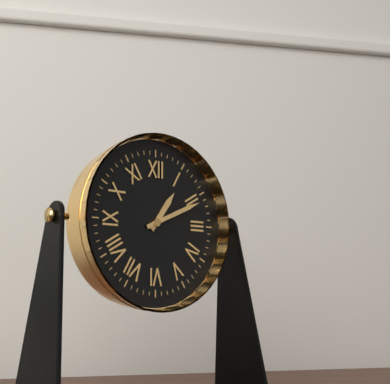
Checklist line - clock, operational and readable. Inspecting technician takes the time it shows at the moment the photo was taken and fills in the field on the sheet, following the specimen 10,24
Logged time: 1,11
